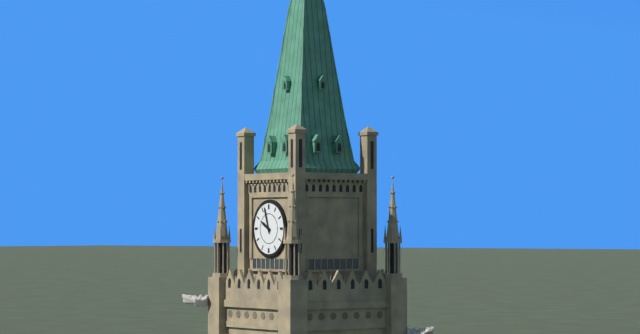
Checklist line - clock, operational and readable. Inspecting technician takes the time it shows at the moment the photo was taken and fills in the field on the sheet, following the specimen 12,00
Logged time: 9,57
